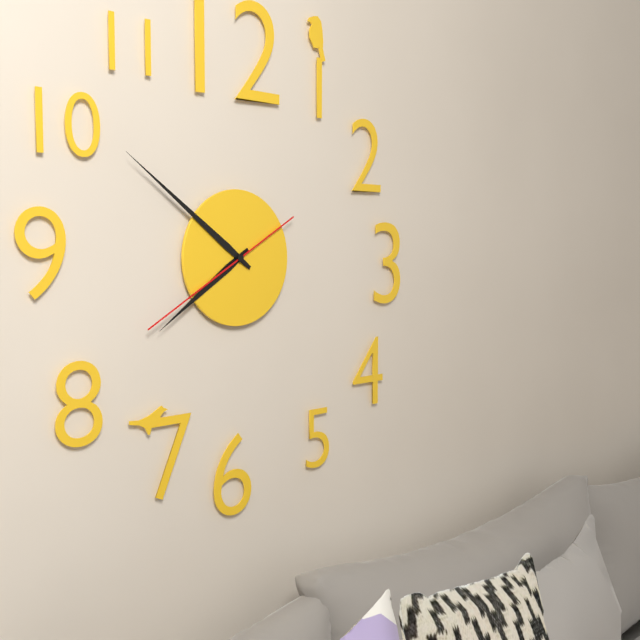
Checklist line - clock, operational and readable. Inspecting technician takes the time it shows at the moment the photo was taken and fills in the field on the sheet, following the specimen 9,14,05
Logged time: 7,51,40
